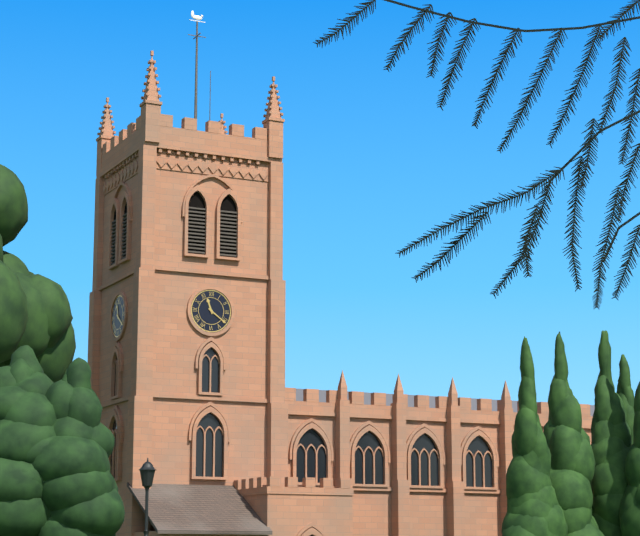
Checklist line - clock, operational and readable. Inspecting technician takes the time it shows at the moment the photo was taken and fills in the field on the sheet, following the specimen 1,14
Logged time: 11,21
